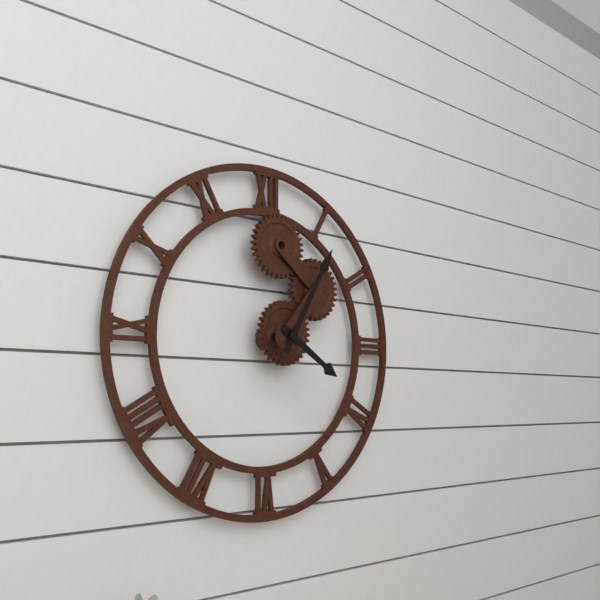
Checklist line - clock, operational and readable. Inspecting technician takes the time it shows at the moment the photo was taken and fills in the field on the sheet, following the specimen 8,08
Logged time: 4,05
